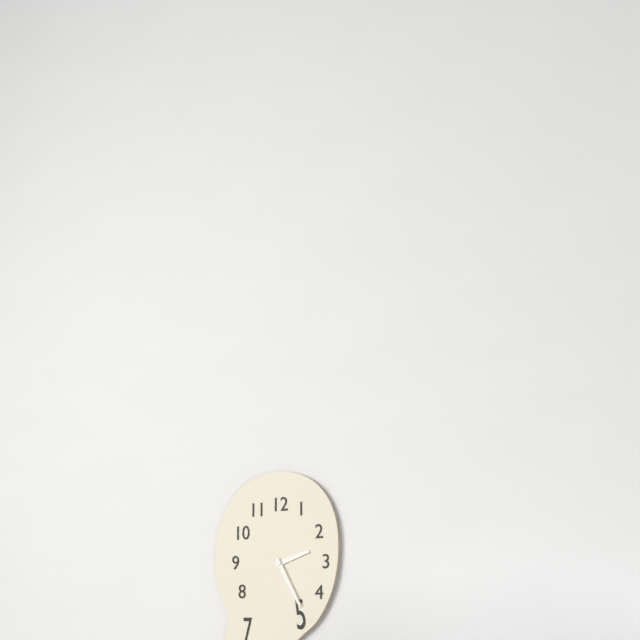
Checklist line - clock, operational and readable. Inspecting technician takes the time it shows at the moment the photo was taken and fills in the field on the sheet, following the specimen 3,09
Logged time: 2,25
